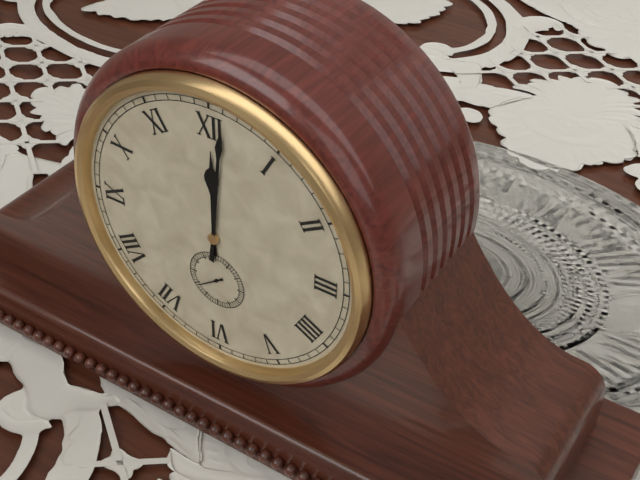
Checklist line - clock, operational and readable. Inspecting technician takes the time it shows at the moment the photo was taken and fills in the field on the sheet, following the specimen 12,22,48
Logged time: 12,01,39
